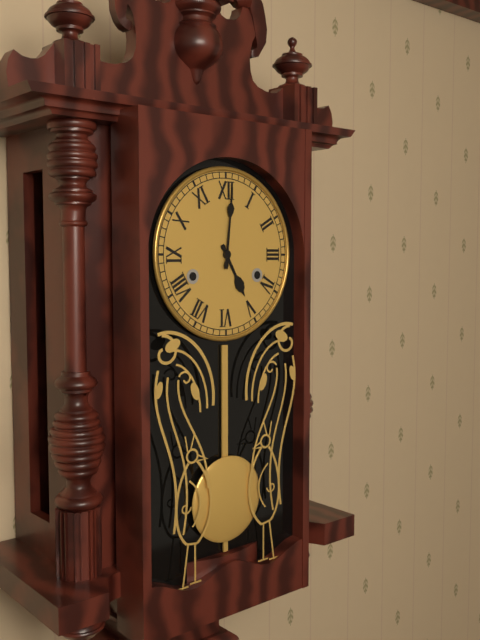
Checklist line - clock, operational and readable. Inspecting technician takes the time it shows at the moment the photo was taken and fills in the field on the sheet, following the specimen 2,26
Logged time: 5,01
